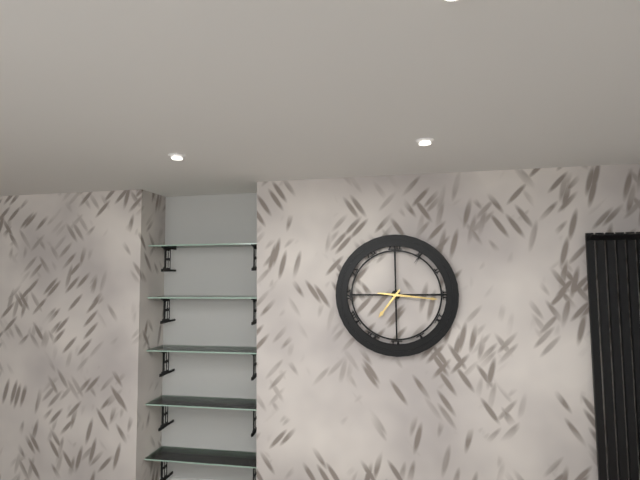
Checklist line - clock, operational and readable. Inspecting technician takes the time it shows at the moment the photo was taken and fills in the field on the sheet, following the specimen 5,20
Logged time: 7,16
